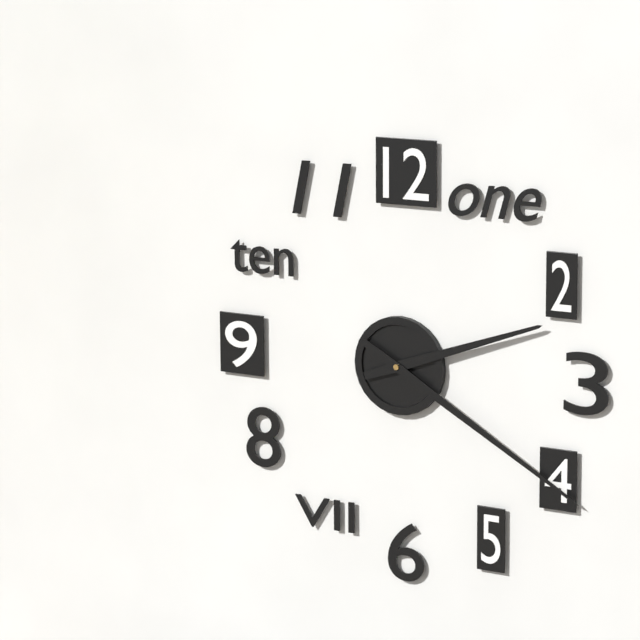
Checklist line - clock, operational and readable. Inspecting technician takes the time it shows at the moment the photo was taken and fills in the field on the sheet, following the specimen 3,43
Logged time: 2,20
